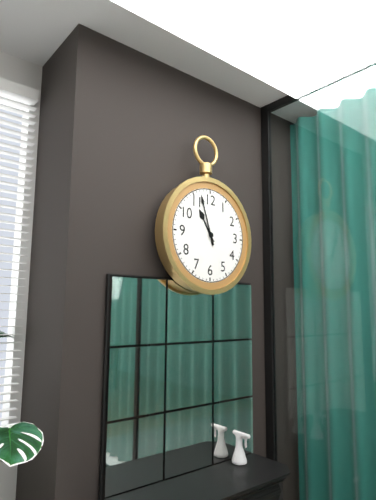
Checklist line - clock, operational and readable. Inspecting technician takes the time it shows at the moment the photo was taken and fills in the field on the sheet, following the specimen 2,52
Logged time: 10,57
